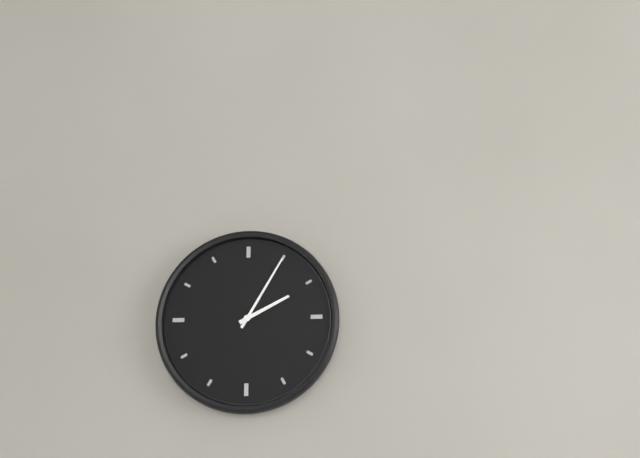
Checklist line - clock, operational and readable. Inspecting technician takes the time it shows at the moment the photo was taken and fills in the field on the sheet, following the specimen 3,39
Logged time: 2,05
